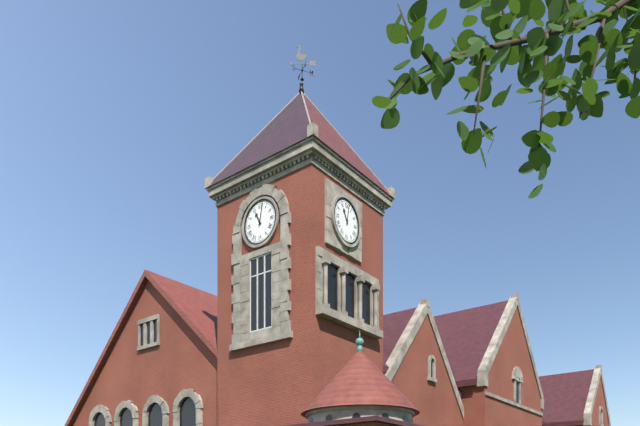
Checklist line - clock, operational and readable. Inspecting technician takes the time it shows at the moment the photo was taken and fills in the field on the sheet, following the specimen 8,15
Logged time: 11,02
